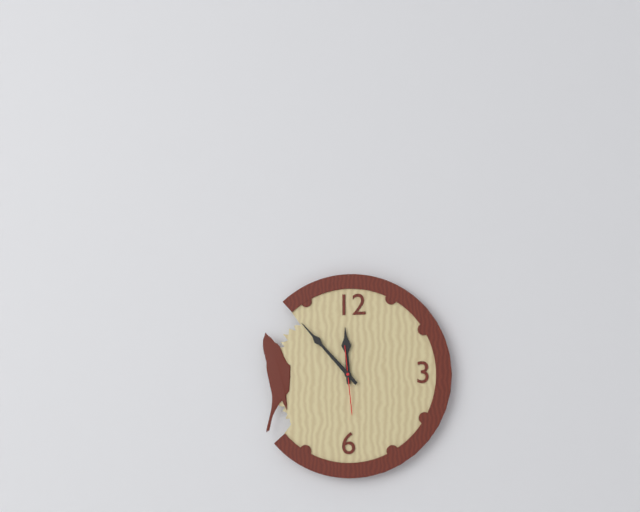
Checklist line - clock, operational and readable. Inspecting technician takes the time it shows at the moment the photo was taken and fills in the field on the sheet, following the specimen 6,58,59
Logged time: 11,53,29
